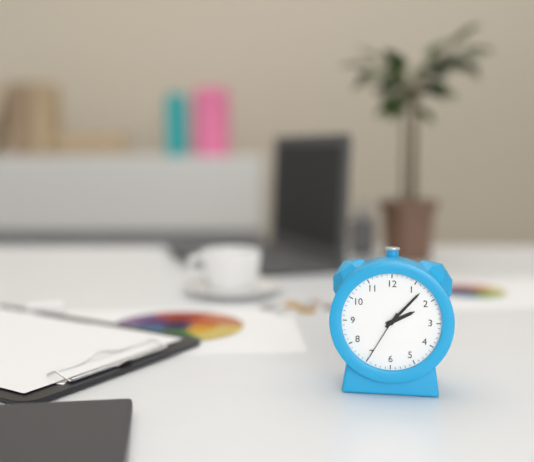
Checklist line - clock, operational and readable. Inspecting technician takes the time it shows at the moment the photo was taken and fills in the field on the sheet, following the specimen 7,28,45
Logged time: 2,07,35
